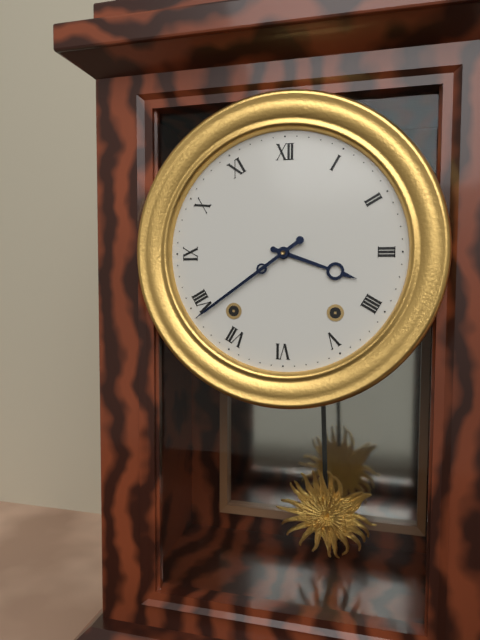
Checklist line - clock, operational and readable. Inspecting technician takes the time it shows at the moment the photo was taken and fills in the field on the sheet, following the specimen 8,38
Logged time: 3,39
